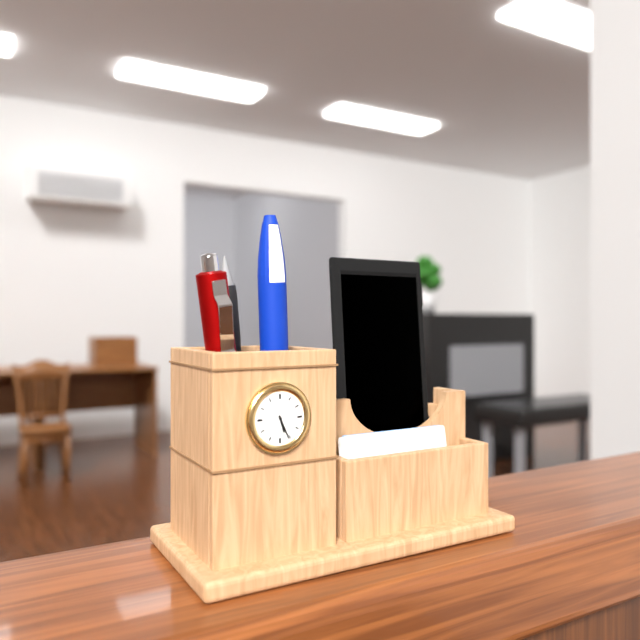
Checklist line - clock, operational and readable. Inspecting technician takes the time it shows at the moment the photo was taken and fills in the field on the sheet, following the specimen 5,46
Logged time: 5,26
